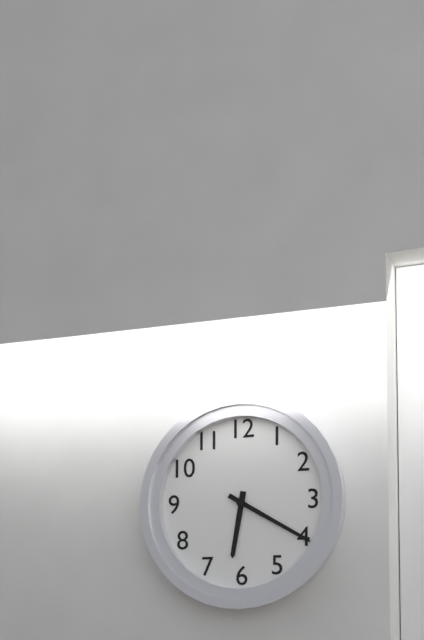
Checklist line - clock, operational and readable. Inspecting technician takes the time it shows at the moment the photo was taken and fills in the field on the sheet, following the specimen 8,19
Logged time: 6,20
